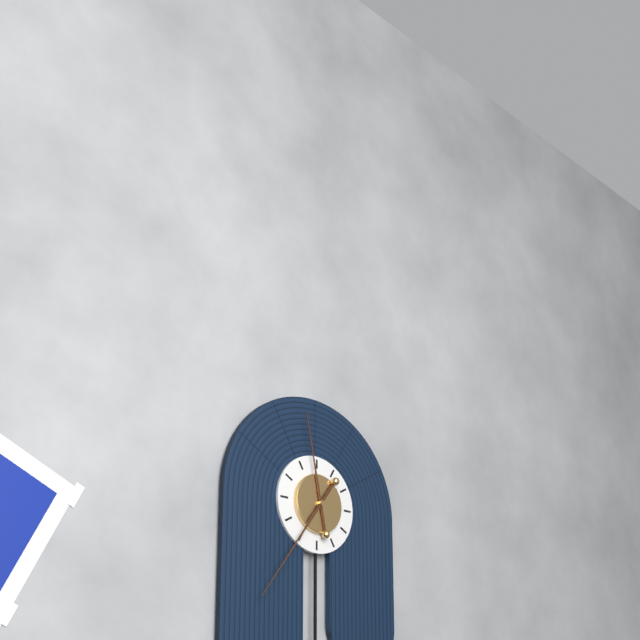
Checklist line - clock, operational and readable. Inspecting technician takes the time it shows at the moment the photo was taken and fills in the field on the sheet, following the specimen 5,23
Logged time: 11,36
